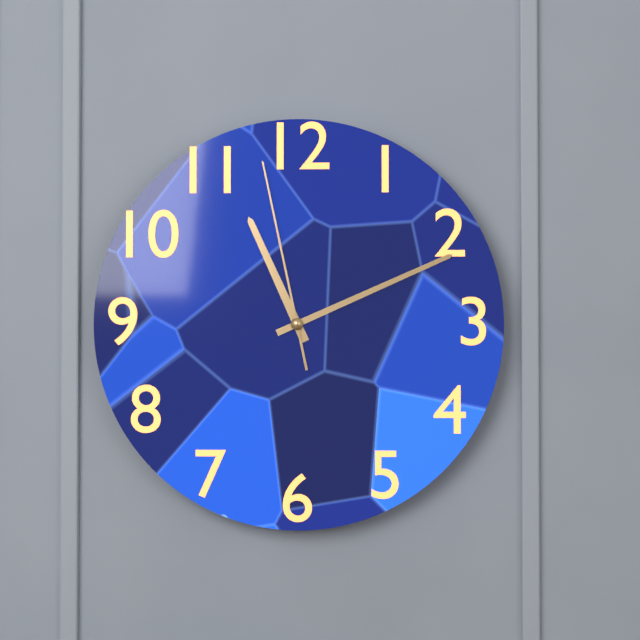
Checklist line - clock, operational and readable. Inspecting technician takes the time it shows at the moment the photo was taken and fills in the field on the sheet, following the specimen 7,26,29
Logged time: 11,11,58
